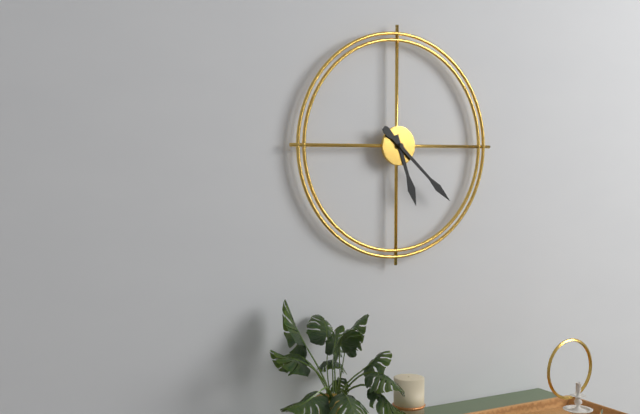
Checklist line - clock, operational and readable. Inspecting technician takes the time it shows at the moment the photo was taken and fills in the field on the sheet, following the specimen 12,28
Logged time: 5,22
